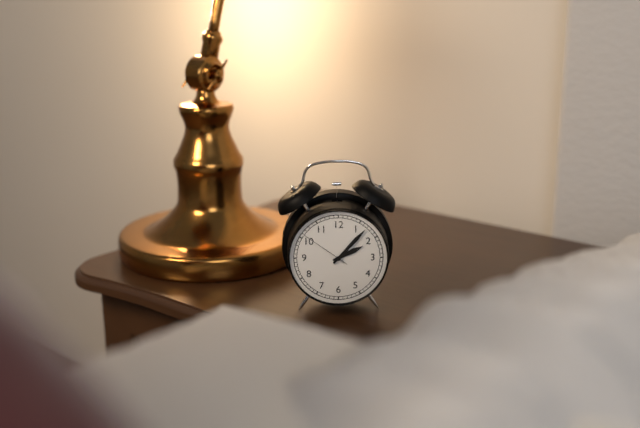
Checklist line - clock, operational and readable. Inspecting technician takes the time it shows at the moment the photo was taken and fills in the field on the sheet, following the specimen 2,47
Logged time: 2,07
